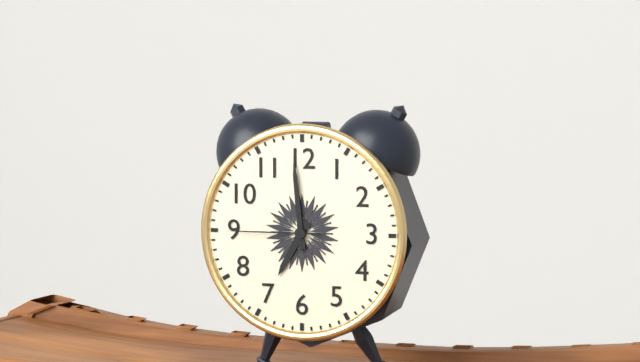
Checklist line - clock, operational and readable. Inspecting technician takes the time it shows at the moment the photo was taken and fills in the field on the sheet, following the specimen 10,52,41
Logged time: 6,59,45
